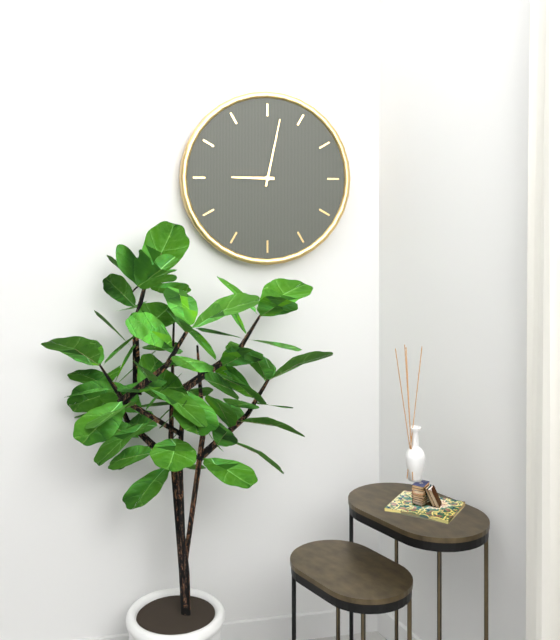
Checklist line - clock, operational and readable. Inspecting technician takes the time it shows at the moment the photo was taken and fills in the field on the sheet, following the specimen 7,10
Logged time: 9,02
